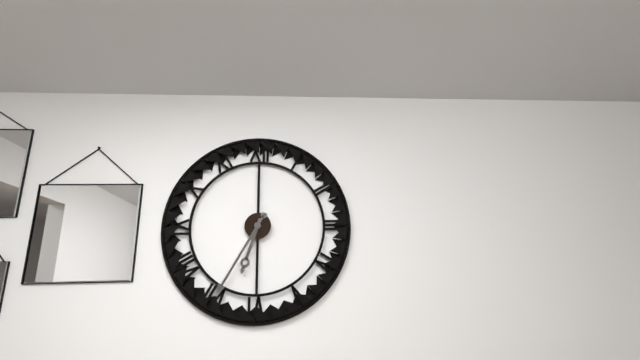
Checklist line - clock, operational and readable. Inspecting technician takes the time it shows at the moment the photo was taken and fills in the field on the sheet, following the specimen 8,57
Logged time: 6,35
